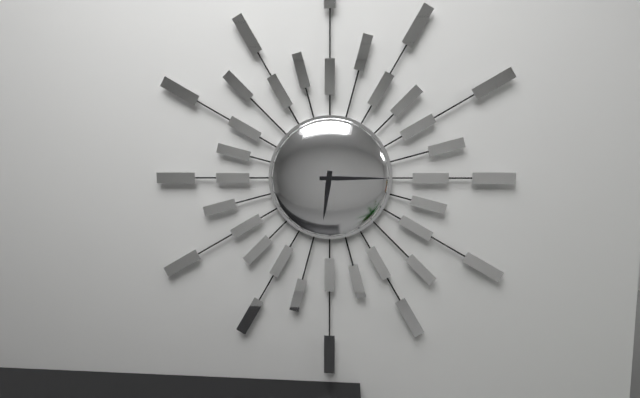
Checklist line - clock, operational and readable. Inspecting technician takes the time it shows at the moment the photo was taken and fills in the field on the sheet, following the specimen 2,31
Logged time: 6,15
